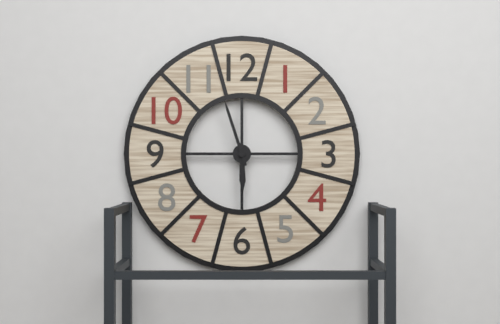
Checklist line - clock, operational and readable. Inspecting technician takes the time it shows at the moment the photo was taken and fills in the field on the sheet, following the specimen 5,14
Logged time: 5,57
